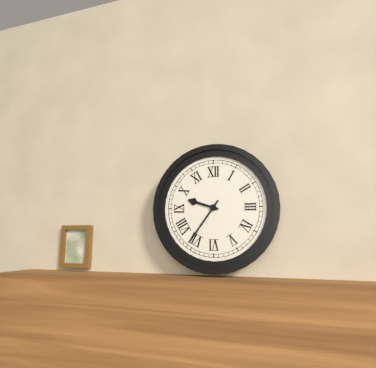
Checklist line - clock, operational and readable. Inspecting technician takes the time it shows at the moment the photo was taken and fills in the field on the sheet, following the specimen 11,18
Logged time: 9,36
